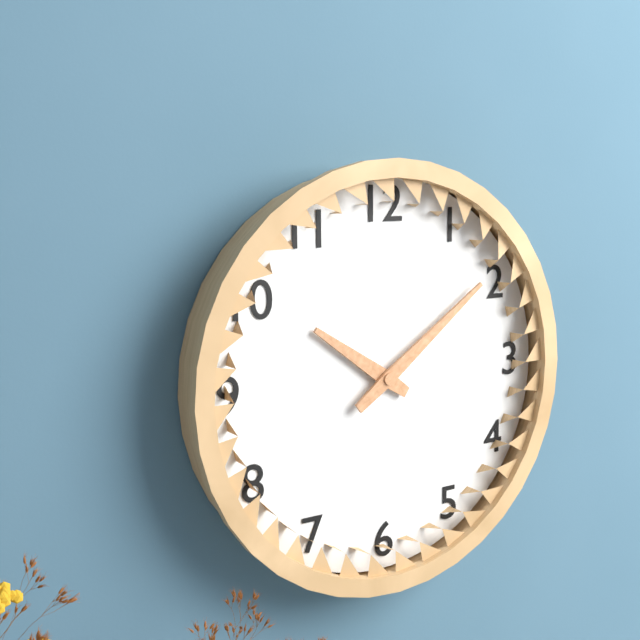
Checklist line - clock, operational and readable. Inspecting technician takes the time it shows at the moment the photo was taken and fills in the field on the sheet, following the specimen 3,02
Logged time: 10,09
